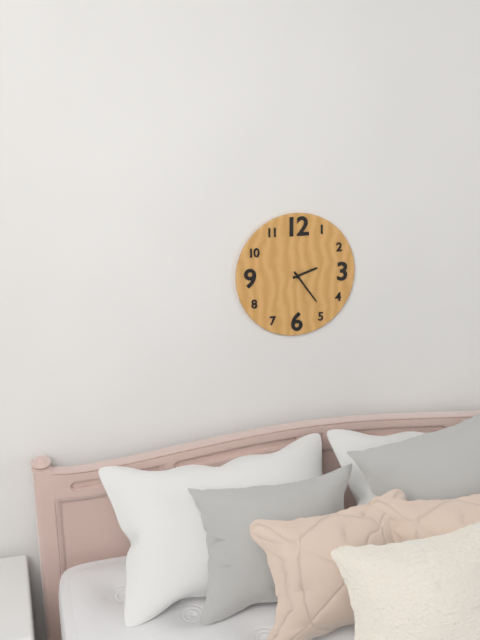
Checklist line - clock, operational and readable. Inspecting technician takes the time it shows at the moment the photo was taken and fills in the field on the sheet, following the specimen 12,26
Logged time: 2,24
